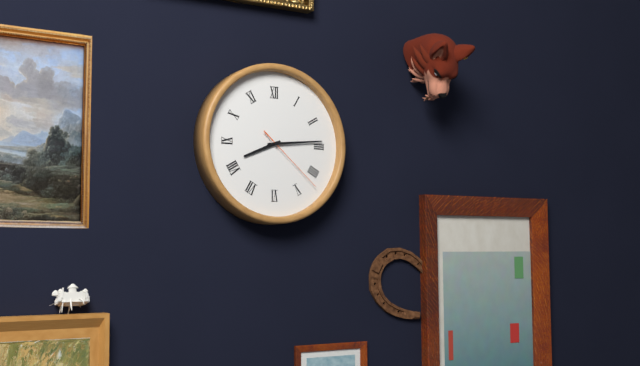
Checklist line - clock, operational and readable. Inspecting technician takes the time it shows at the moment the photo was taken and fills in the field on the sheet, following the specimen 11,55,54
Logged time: 8,14,22
